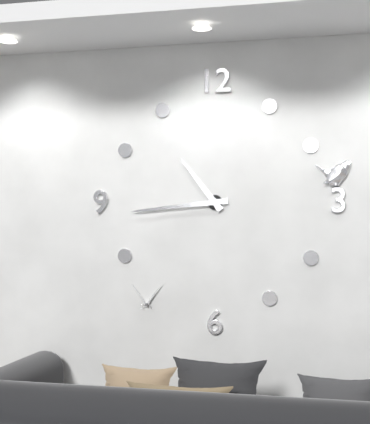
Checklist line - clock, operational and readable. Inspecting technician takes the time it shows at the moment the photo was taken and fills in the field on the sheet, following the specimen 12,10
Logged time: 10,44
